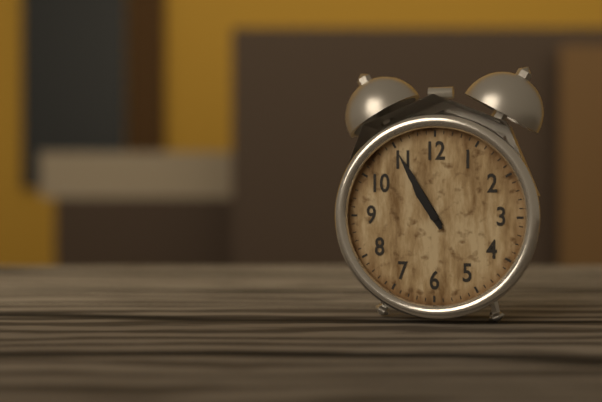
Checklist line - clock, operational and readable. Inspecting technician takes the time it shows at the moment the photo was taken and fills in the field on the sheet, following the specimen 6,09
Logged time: 10,55
